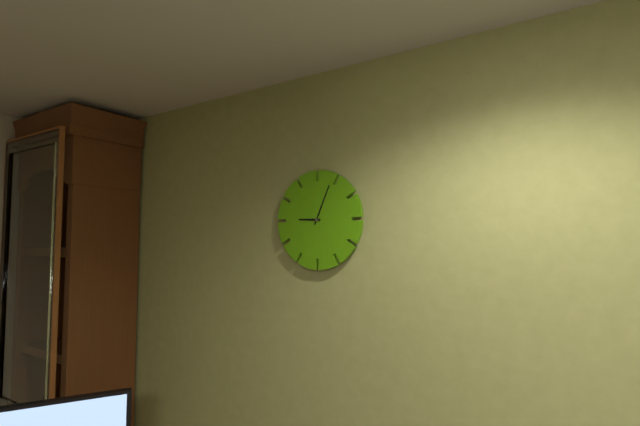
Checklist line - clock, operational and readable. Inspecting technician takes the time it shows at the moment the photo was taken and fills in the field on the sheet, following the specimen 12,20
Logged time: 9,04
